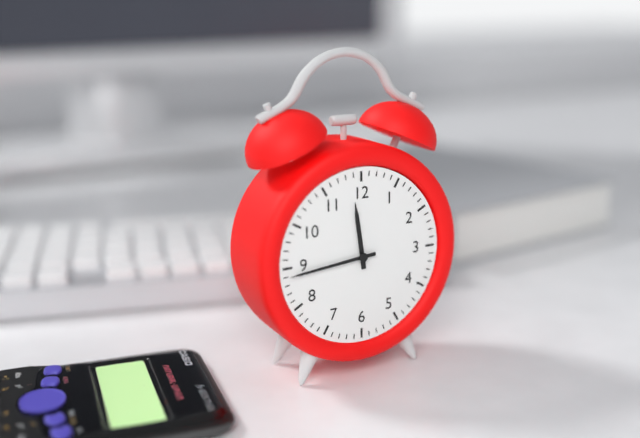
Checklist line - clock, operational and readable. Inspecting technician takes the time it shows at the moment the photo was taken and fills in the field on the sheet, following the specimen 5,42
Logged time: 11,44
